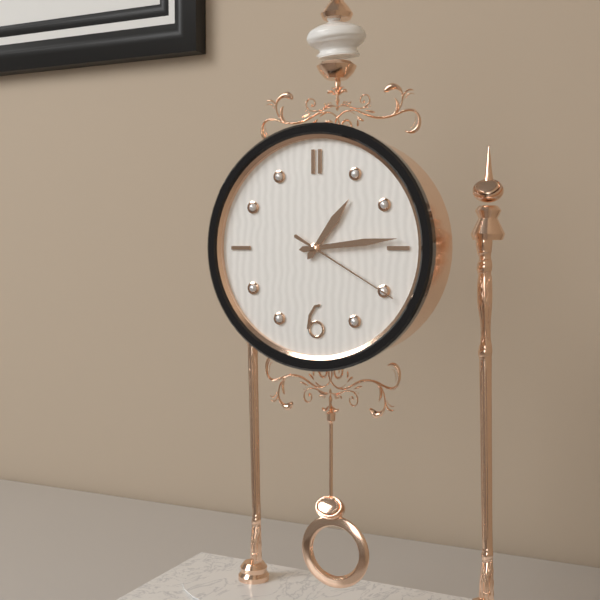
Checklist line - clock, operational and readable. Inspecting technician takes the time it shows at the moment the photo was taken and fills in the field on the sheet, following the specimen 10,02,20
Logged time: 1,14,20
